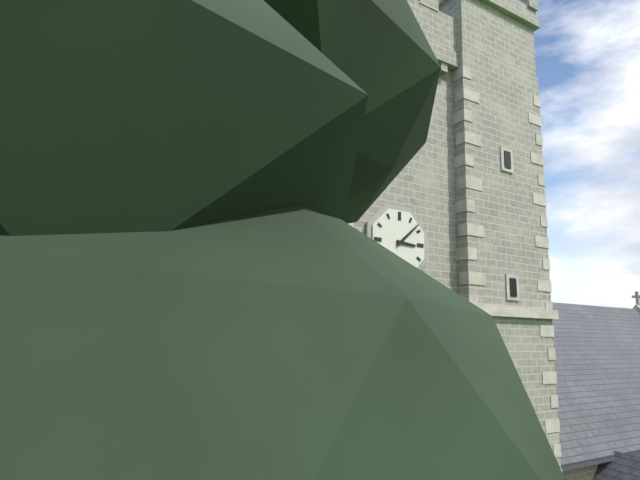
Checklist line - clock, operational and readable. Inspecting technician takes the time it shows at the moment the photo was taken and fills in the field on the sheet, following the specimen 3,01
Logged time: 3,08
